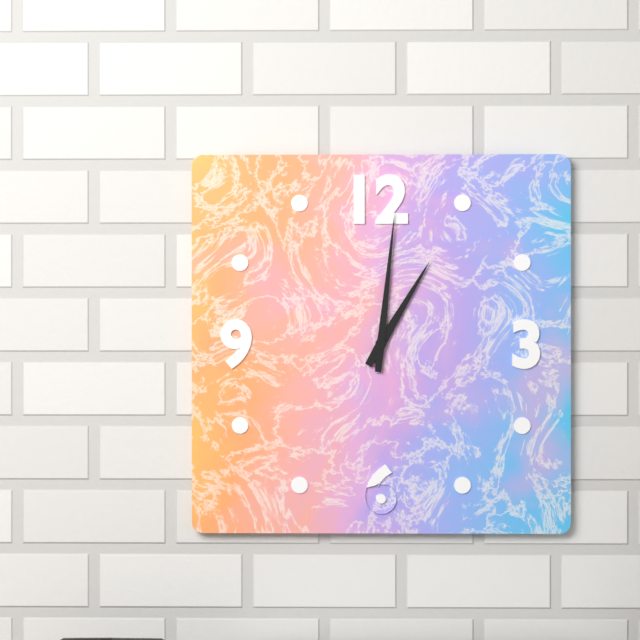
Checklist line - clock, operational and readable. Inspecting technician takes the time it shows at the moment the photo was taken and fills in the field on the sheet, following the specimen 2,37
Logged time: 1,01
